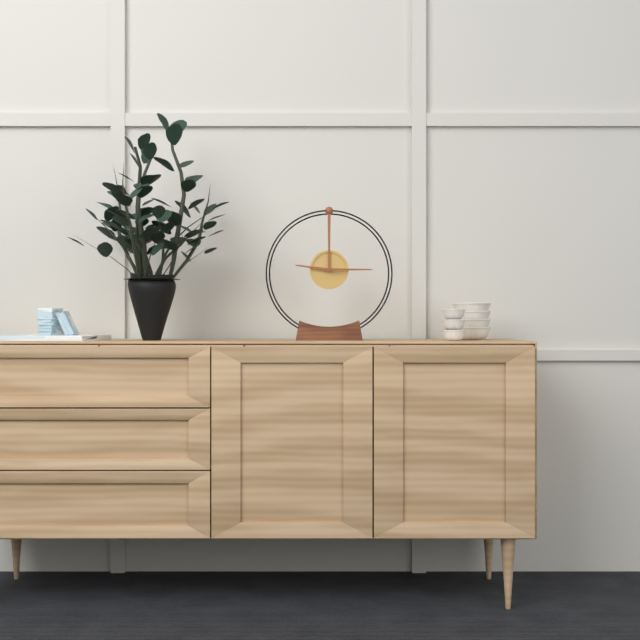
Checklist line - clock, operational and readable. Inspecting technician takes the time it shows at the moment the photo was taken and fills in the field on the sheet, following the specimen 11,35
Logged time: 9,15
